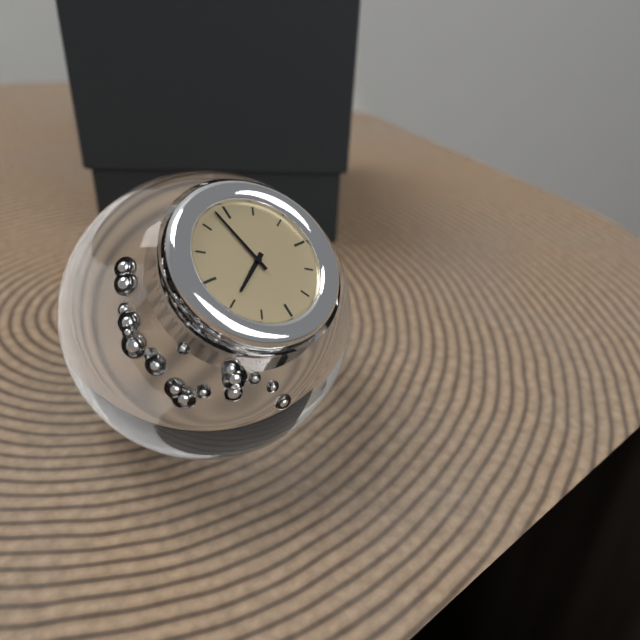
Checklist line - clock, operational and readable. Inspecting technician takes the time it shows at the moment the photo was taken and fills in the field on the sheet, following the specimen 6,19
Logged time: 7,58
